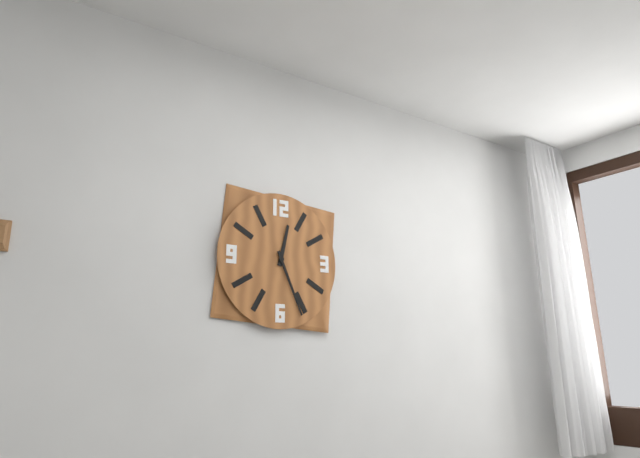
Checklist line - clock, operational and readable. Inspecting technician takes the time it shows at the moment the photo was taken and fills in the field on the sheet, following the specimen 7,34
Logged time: 12,26
